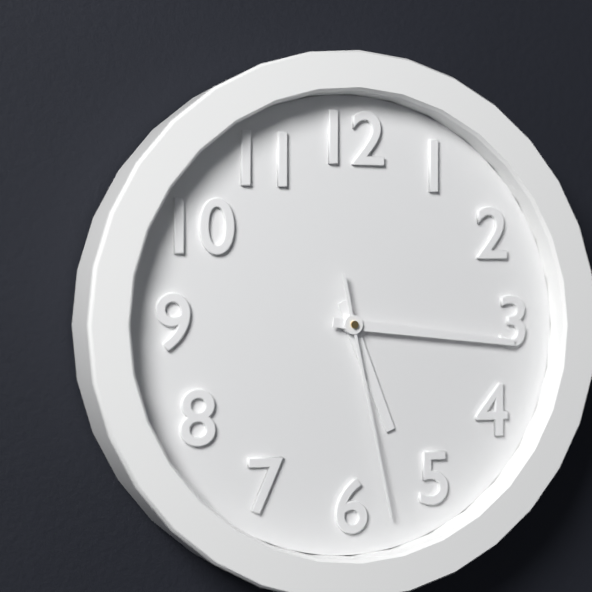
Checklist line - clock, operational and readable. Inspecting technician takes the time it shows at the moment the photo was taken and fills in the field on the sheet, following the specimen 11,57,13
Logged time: 5,16,28
